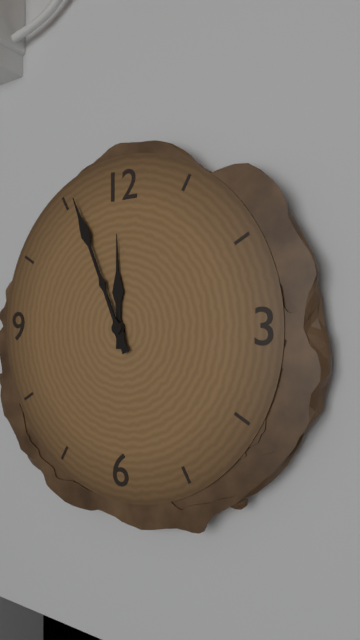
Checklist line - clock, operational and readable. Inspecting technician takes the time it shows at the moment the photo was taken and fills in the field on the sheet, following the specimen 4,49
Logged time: 11,56
